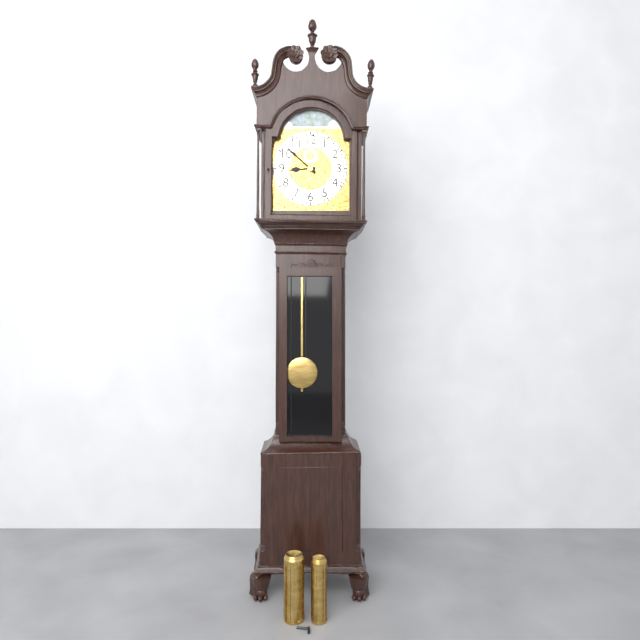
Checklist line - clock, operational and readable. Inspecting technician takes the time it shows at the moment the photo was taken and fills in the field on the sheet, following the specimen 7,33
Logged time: 8,52
